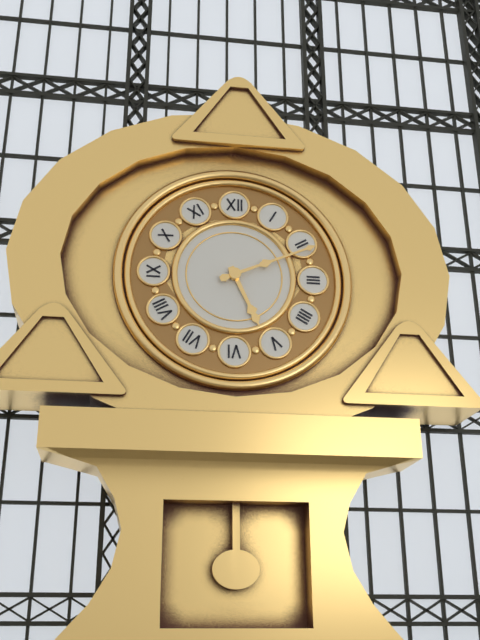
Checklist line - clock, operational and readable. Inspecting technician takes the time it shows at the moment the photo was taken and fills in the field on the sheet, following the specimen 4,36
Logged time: 5,11
